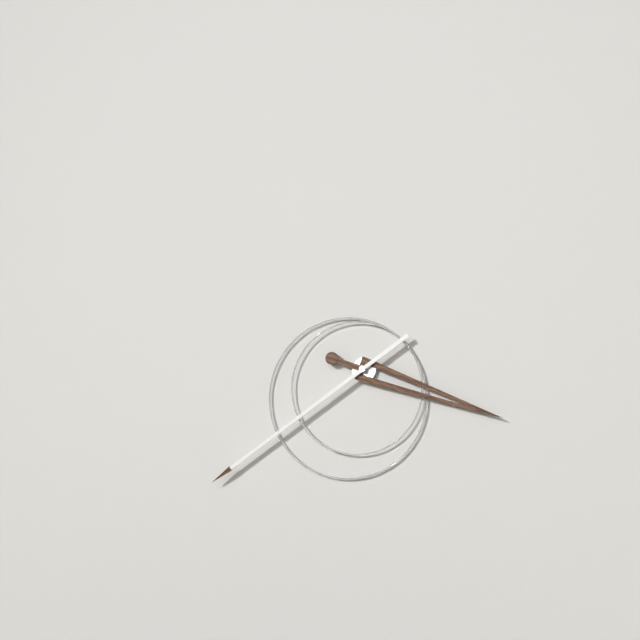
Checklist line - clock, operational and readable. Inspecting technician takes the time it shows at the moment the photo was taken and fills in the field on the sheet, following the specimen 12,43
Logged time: 3,39
